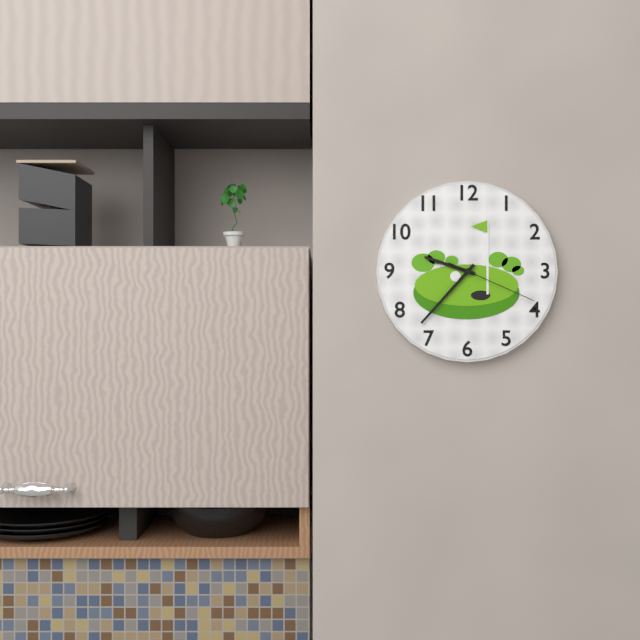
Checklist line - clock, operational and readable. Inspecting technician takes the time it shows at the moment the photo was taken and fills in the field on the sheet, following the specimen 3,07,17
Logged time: 9,37,19
